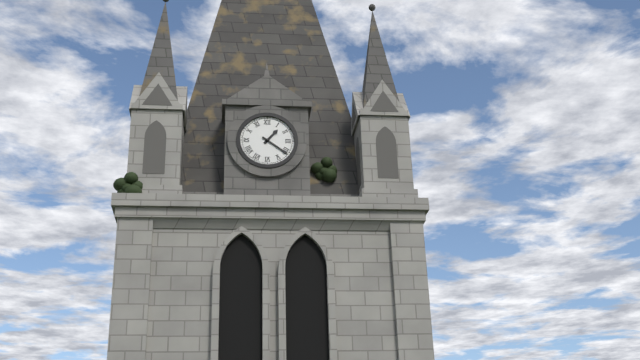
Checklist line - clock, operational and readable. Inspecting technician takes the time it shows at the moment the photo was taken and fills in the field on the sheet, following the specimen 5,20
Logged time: 1,21
